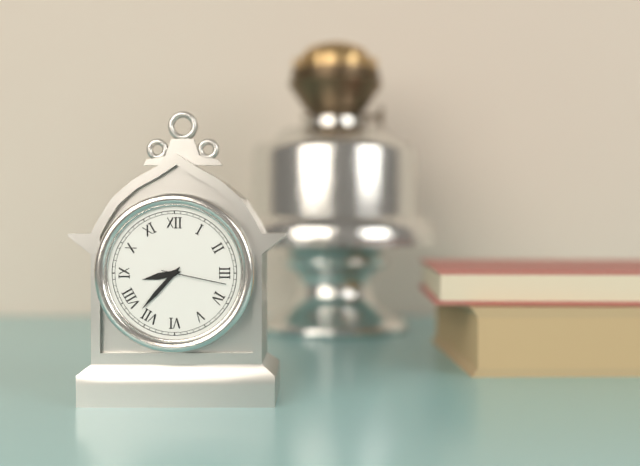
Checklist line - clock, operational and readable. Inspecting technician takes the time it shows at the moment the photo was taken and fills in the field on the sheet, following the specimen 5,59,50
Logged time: 8,37,17
